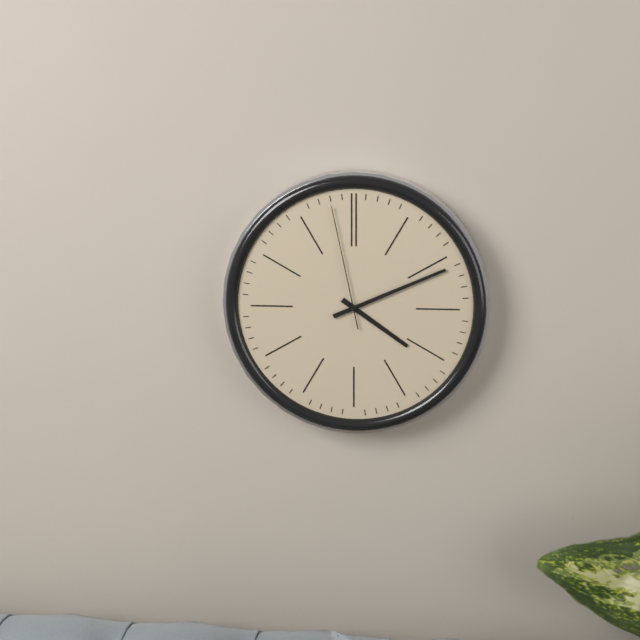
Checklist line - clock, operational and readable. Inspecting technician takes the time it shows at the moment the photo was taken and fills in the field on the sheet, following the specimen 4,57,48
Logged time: 4,11,58
